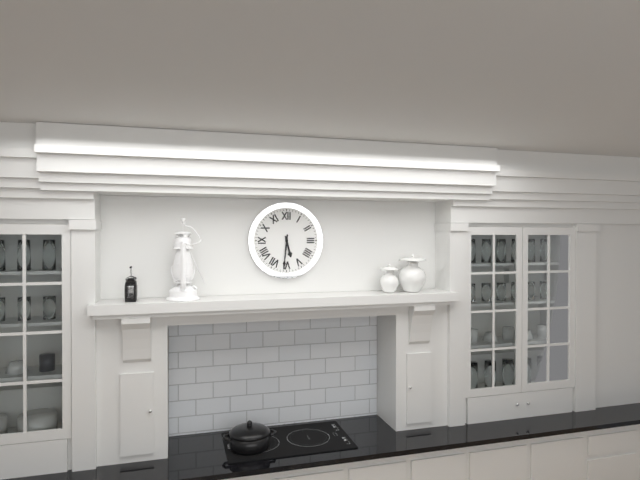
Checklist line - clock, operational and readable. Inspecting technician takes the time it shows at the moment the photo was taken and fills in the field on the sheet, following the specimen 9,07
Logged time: 5,31
